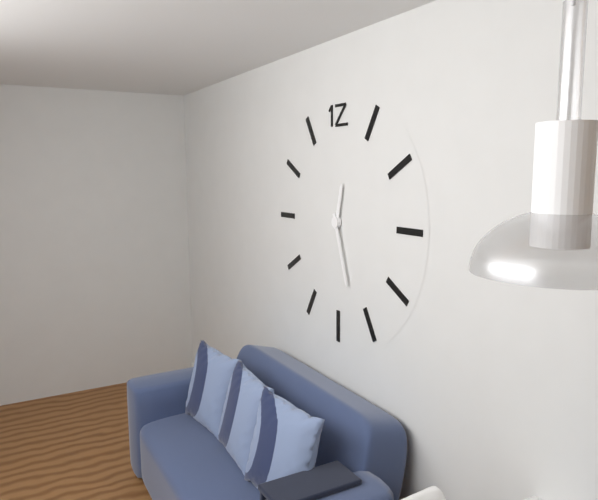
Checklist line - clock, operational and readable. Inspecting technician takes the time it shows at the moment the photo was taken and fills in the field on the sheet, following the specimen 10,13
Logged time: 12,27
